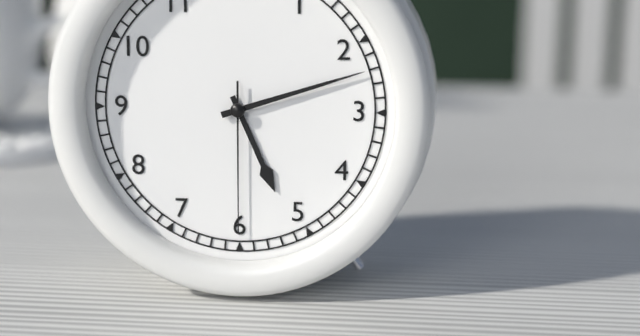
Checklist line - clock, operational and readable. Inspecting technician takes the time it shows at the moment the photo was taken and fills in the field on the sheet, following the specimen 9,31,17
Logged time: 5,12,30
